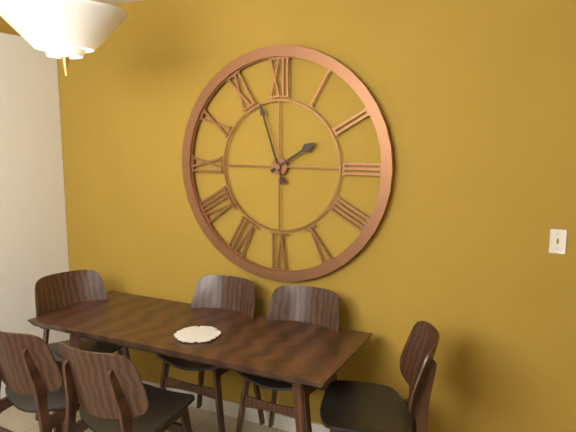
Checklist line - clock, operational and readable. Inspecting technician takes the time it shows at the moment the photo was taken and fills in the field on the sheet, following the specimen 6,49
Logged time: 1,57
